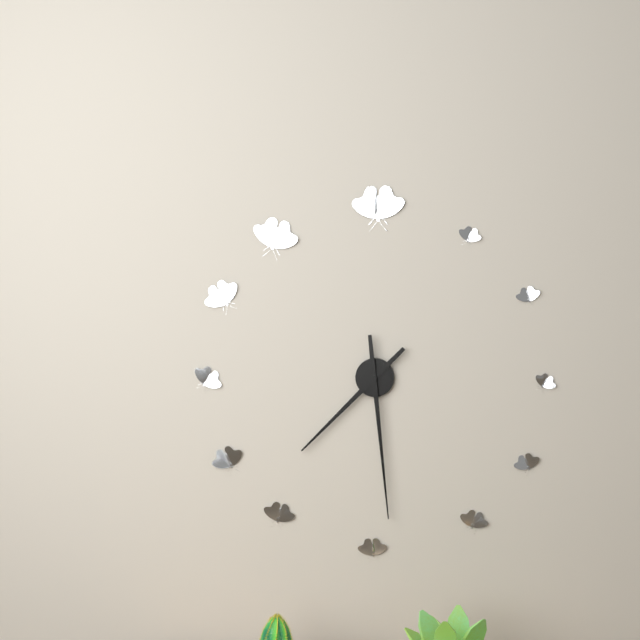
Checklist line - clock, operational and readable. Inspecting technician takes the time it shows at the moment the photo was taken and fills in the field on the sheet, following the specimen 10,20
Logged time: 7,29
